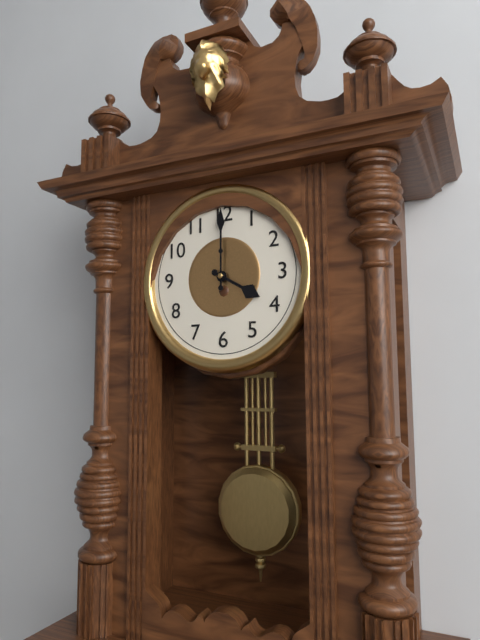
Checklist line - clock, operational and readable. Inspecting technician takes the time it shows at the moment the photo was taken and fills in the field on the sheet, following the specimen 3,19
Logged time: 4,00
